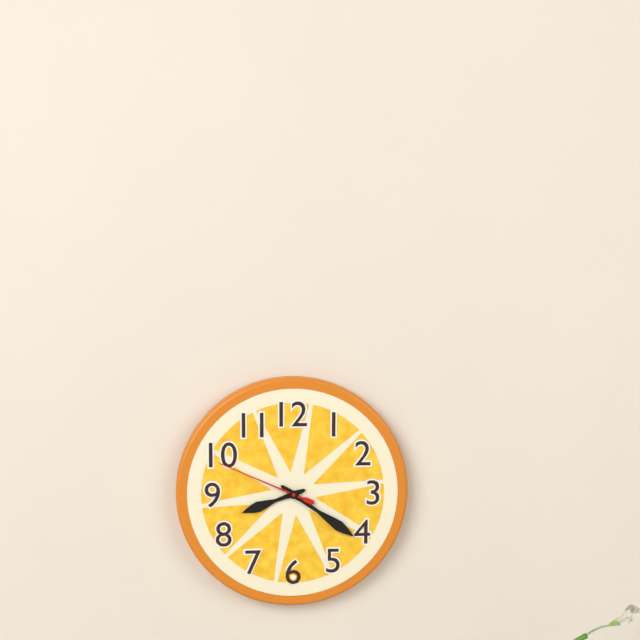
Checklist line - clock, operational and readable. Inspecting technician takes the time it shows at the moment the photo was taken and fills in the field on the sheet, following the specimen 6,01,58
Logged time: 8,21,49
